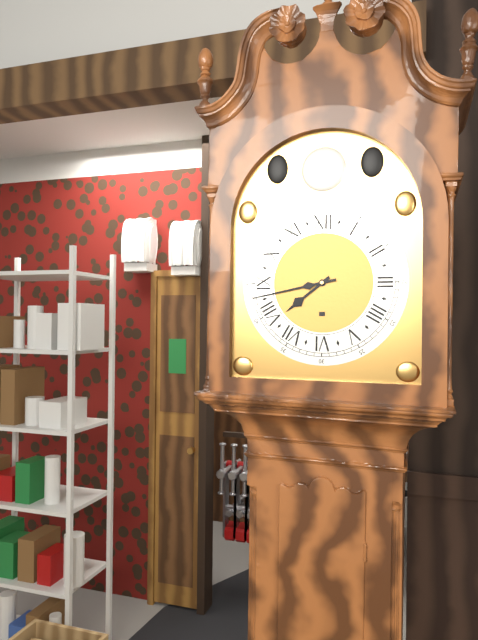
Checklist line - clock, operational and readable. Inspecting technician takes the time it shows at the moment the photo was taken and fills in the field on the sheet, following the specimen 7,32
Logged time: 7,43
